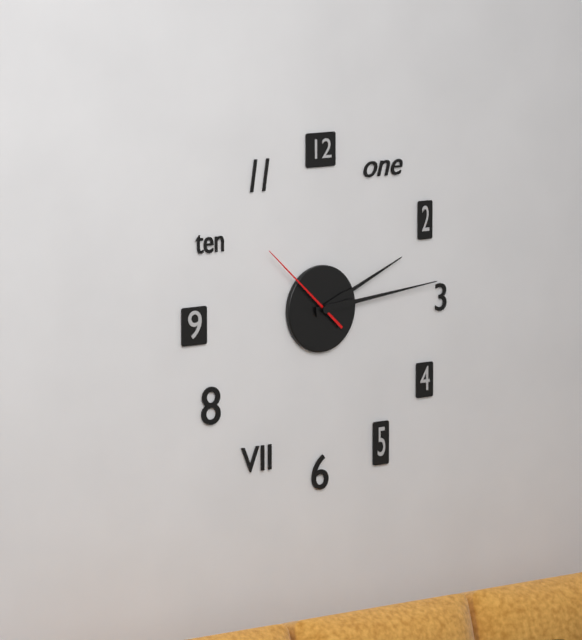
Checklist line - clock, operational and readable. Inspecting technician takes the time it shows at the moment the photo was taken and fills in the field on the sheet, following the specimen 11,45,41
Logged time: 2,14,52
